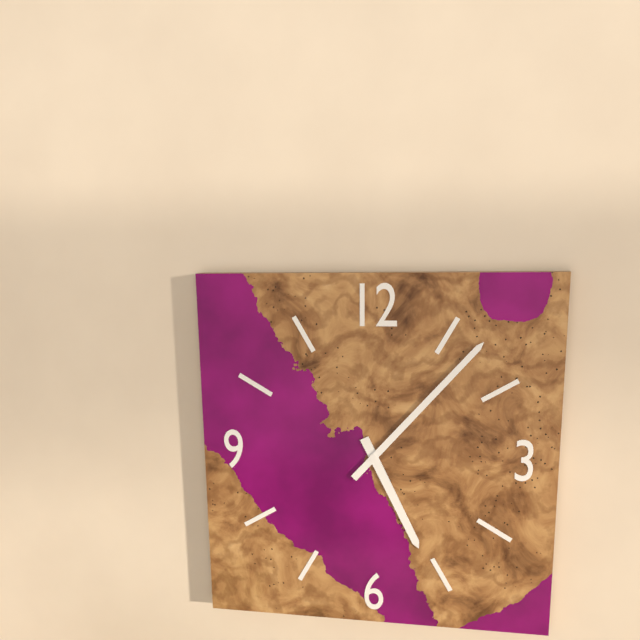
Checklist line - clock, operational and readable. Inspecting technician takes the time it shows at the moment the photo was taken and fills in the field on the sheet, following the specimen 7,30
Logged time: 5,07
